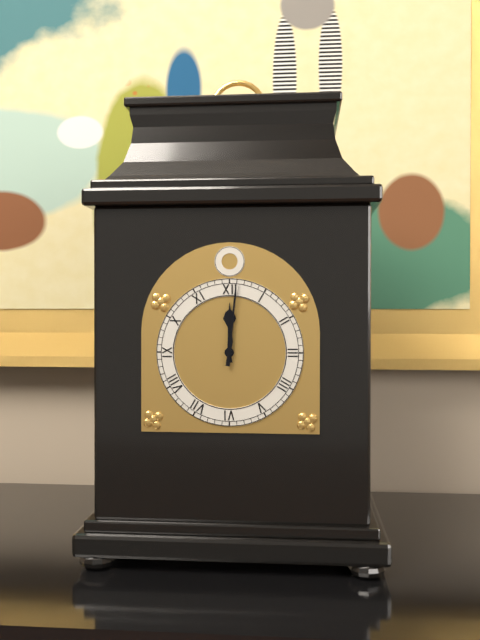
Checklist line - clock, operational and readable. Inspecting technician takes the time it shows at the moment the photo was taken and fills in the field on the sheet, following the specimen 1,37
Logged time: 12,01
